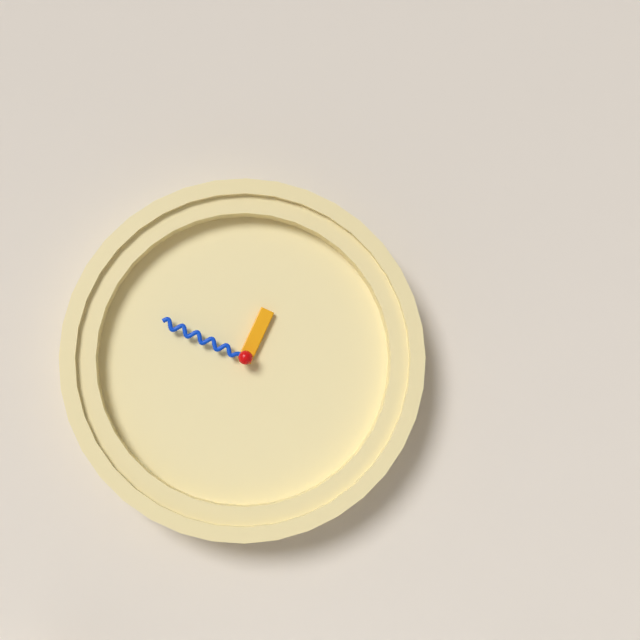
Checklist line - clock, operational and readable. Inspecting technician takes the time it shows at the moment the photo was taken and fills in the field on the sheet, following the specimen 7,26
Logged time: 12,49
